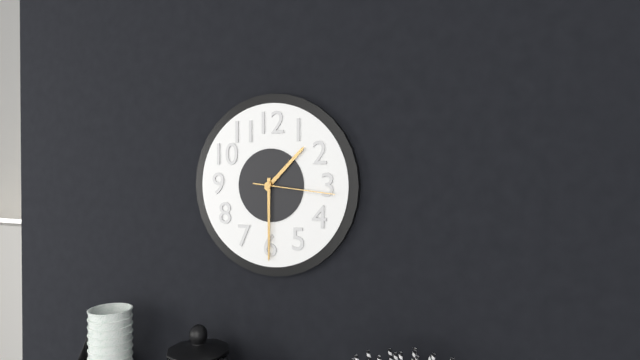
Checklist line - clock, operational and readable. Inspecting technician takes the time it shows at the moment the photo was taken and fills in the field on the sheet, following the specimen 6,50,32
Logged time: 1,30,16
